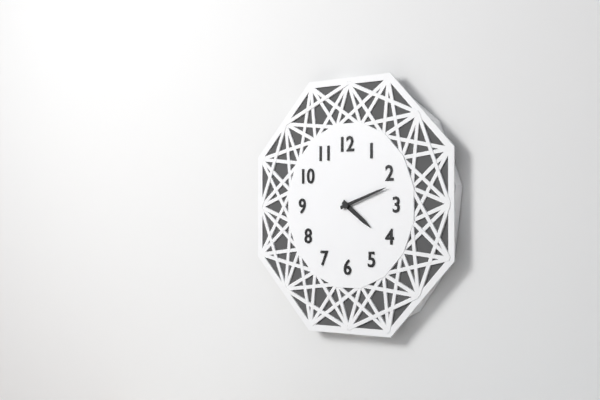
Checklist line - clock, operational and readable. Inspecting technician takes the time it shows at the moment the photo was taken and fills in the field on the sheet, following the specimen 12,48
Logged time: 4,12
